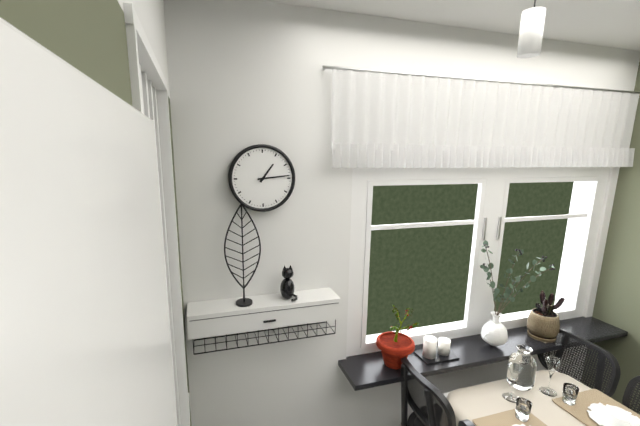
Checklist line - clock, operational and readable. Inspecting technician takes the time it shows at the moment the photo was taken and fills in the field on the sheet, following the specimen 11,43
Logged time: 1,14
